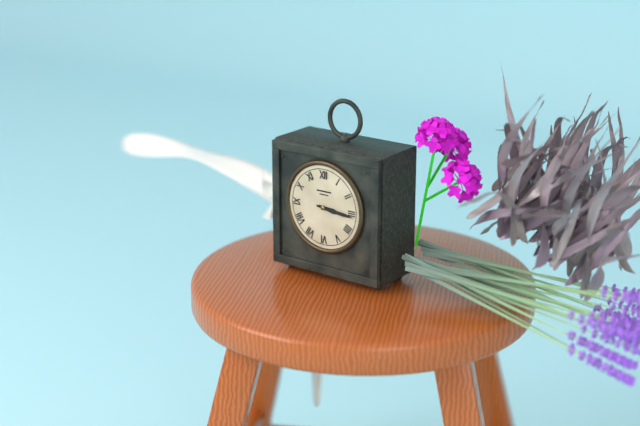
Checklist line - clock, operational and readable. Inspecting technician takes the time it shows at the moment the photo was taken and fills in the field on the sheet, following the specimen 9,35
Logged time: 3,16
